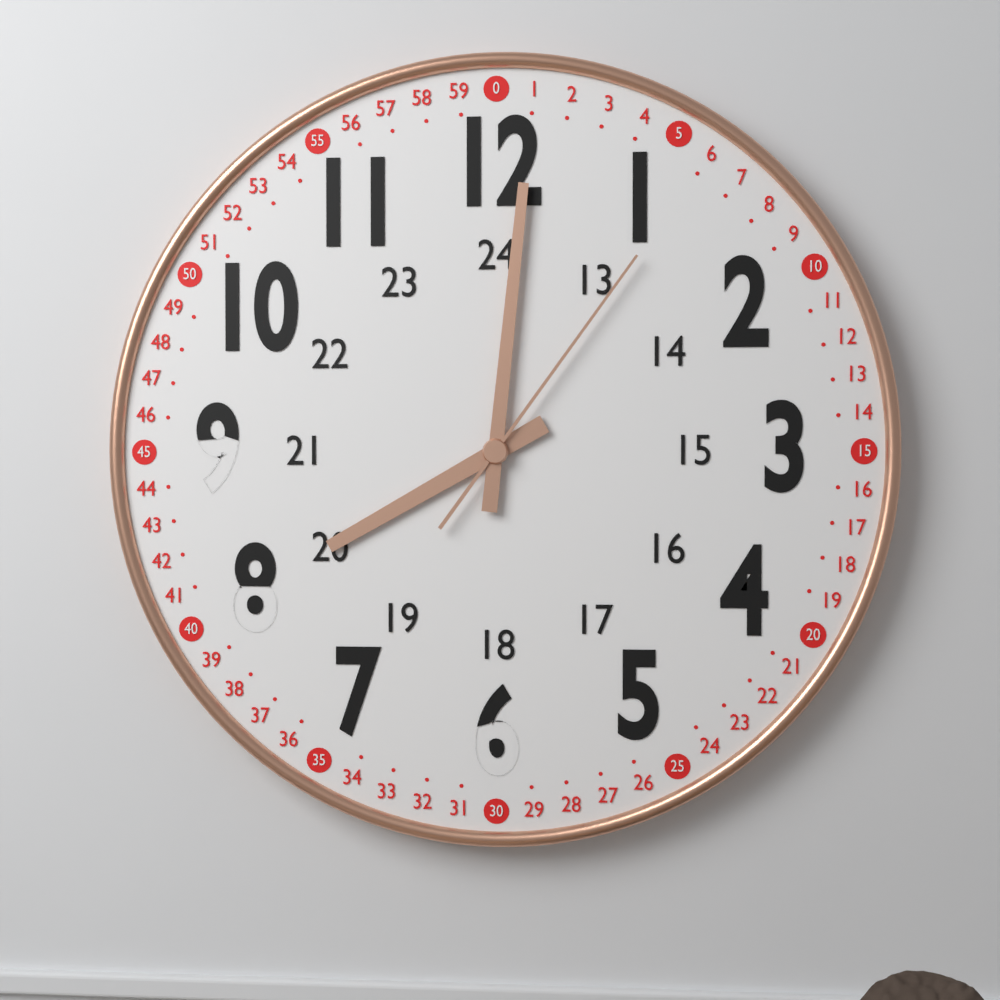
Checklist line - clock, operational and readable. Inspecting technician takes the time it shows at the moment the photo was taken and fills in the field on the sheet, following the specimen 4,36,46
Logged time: 8,01,06
